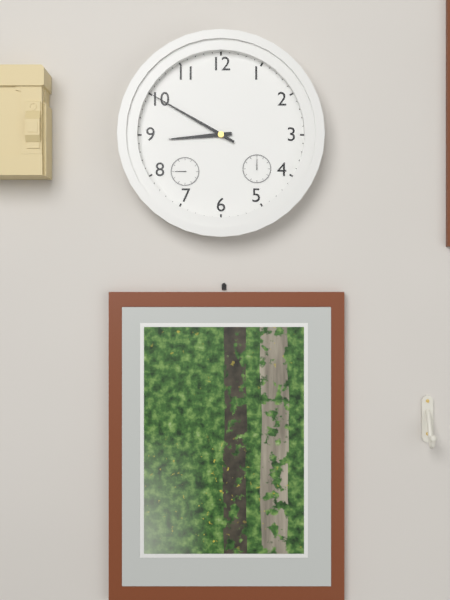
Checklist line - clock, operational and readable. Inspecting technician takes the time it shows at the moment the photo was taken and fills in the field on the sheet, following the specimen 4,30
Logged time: 8,50
